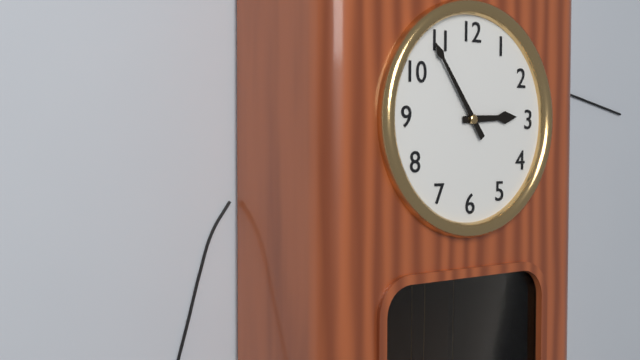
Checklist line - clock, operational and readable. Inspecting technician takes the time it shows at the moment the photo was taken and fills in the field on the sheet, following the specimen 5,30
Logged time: 2,54
